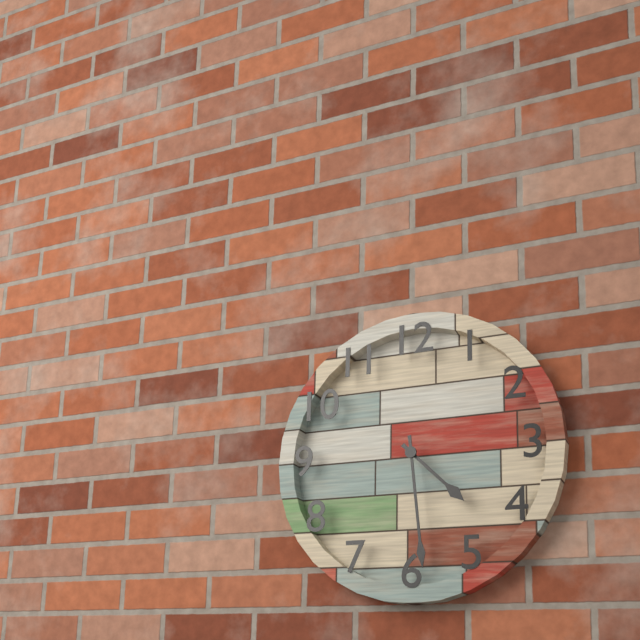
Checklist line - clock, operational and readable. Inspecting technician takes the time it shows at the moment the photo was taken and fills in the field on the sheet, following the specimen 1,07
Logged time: 4,29
